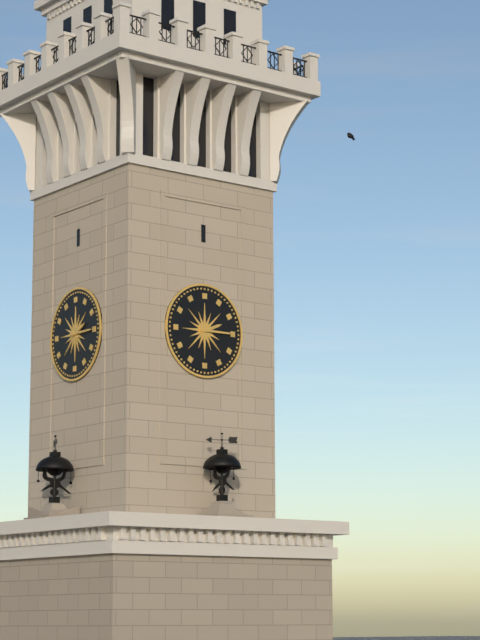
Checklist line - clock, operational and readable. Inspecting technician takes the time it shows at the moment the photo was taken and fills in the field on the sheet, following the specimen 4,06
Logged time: 2,15
